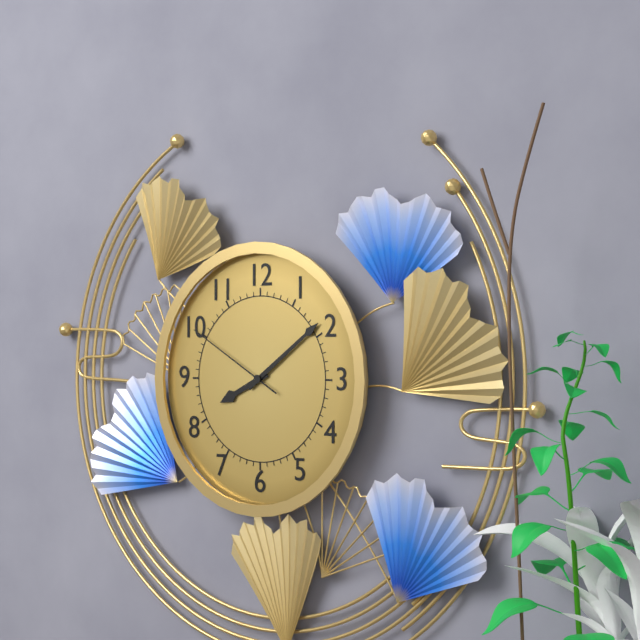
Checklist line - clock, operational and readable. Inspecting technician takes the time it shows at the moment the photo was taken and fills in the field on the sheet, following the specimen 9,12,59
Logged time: 8,09,50
